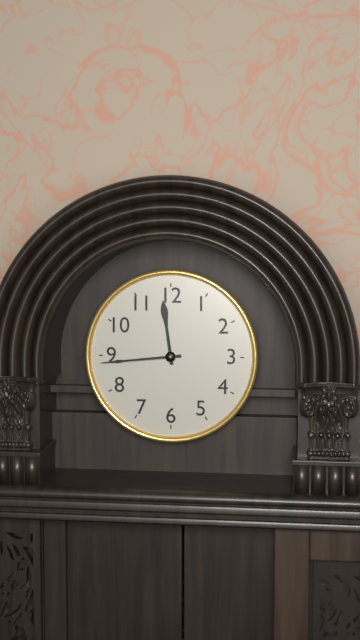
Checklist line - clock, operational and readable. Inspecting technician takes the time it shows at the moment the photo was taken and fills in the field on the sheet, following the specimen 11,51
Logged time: 11,44
